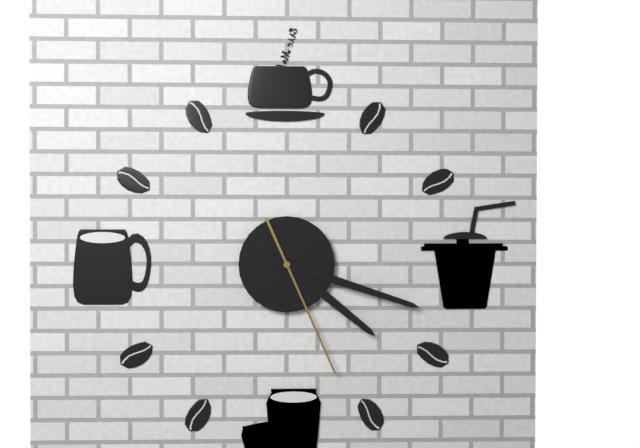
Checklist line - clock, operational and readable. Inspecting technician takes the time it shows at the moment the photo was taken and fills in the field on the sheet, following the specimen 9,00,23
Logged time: 4,18,26
